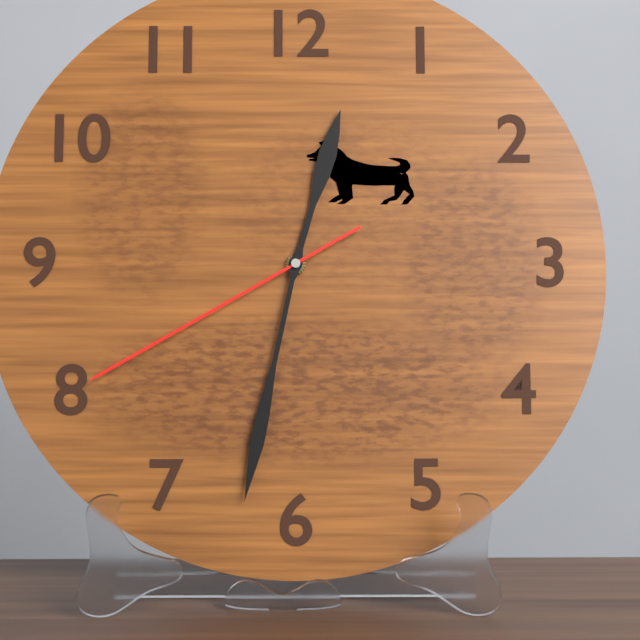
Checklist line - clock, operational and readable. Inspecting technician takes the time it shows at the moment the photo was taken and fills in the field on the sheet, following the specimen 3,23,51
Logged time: 12,32,40
